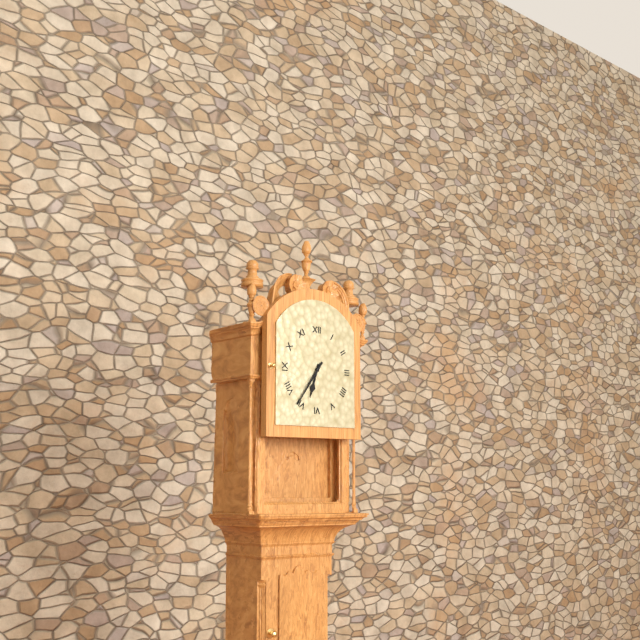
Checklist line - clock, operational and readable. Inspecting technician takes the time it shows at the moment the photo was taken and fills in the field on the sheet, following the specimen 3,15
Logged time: 6,36
